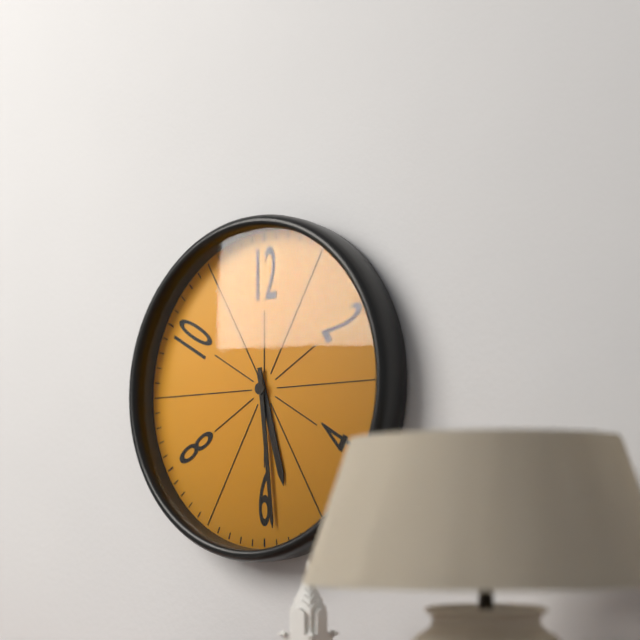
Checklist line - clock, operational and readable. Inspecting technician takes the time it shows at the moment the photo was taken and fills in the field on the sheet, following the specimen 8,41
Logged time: 5,29
